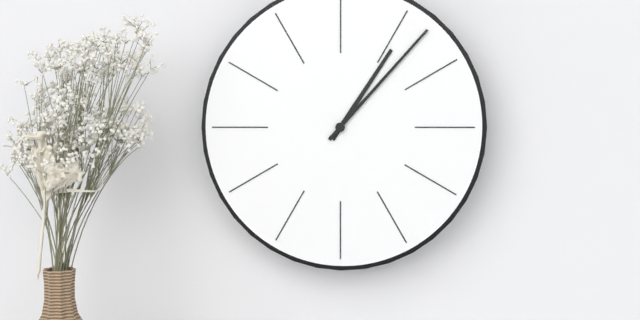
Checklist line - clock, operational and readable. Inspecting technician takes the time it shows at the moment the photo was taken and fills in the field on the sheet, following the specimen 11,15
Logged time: 1,07
